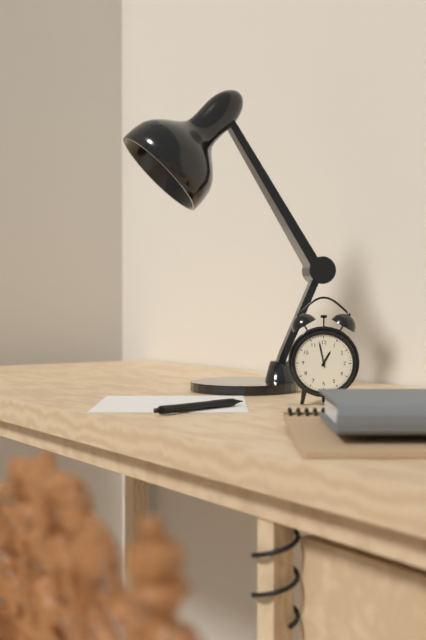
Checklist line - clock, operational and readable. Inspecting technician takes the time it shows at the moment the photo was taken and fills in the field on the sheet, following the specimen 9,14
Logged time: 12,58
